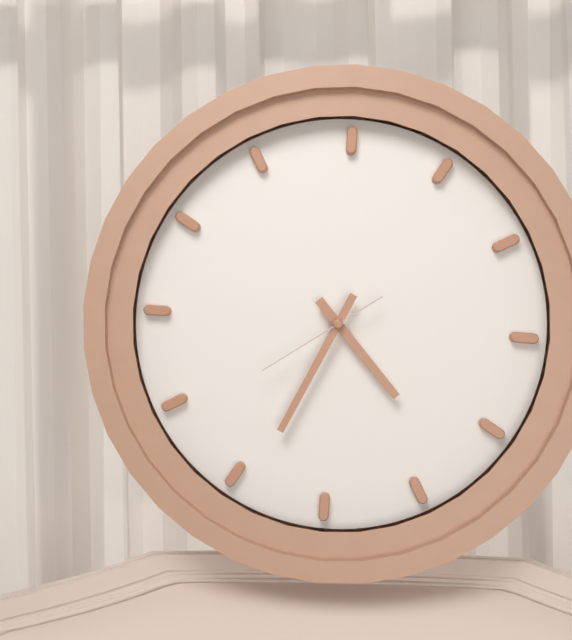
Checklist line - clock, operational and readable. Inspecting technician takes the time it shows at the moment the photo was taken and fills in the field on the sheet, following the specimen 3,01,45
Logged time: 4,34,39
